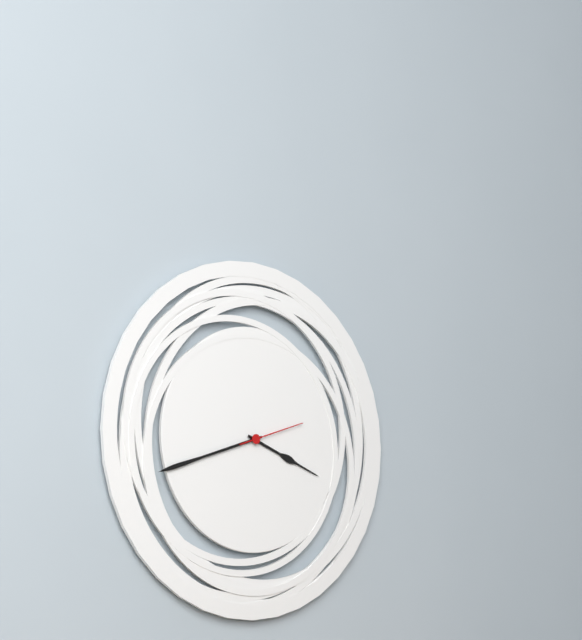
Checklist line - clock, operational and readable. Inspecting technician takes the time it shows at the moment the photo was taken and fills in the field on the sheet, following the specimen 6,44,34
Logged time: 3,42,12
